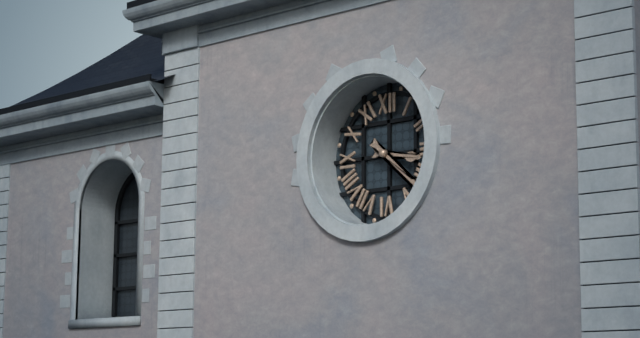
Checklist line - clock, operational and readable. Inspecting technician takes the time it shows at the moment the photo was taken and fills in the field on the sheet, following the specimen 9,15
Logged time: 3,22
